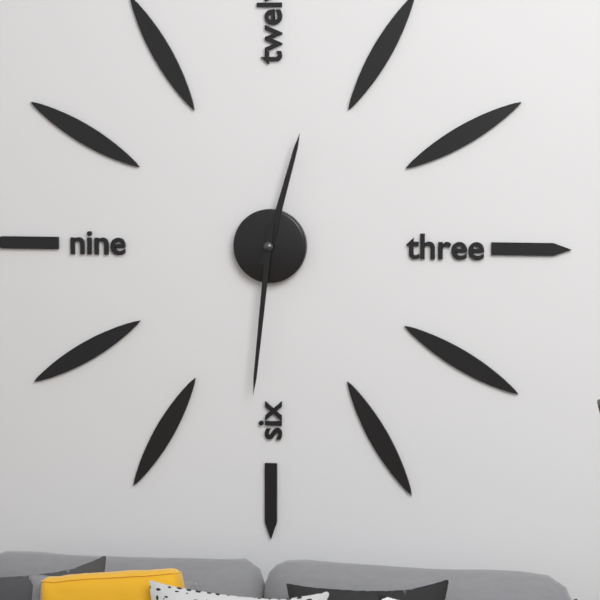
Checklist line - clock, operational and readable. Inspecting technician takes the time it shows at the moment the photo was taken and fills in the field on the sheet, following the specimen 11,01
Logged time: 12,31
